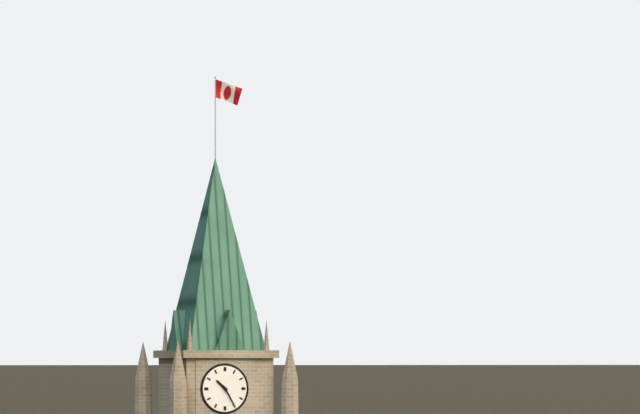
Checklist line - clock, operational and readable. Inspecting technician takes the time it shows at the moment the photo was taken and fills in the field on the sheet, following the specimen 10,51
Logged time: 10,25
